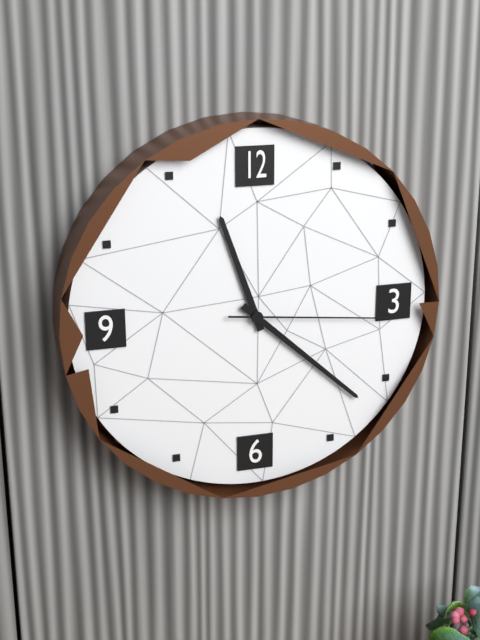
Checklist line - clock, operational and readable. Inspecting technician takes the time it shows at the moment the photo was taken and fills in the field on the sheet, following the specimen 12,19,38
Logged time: 11,22,16
